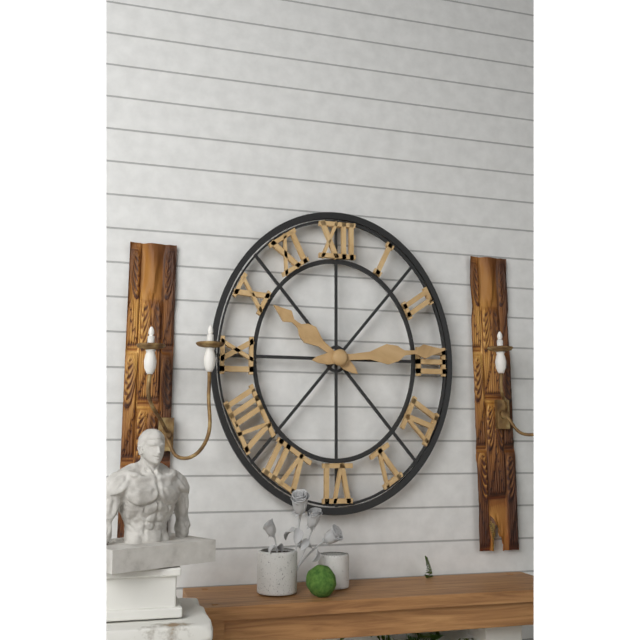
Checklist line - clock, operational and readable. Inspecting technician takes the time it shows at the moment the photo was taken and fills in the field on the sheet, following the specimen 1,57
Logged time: 10,14
